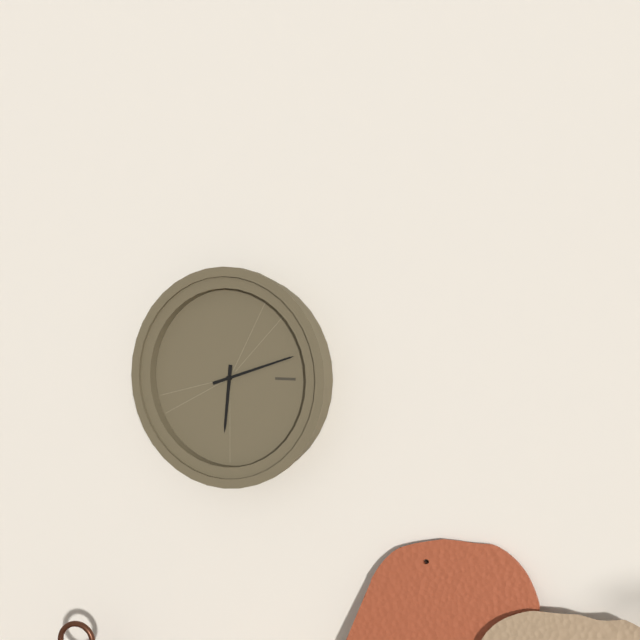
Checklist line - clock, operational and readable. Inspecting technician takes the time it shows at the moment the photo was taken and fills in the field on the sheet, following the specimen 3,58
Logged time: 6,12
